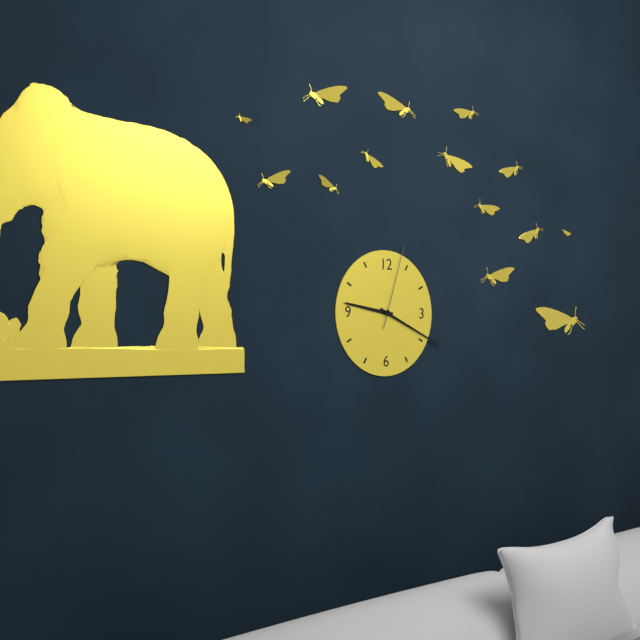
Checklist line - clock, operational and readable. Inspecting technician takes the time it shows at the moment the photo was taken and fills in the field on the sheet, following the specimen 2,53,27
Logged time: 9,19,03
